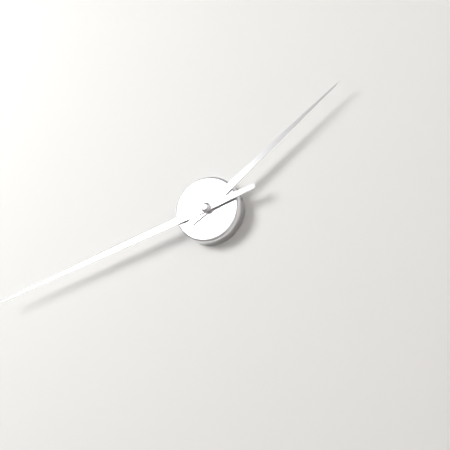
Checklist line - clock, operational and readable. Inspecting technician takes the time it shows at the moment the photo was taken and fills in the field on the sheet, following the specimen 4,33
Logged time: 1,42
